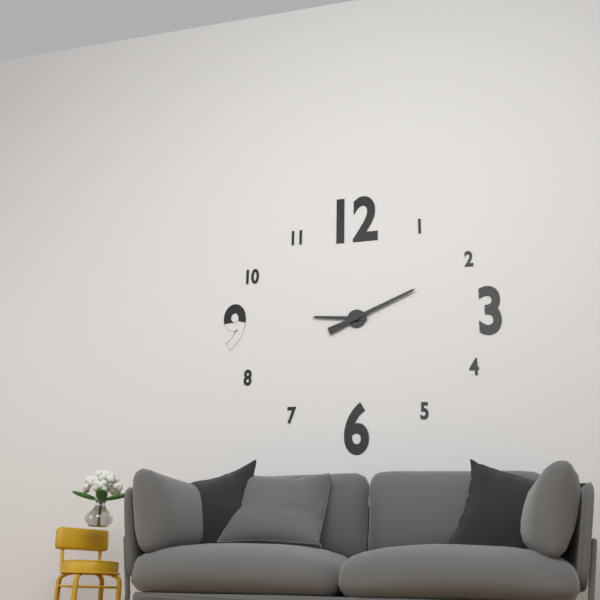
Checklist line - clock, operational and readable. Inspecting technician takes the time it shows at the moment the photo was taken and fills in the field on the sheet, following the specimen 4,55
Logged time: 9,11
